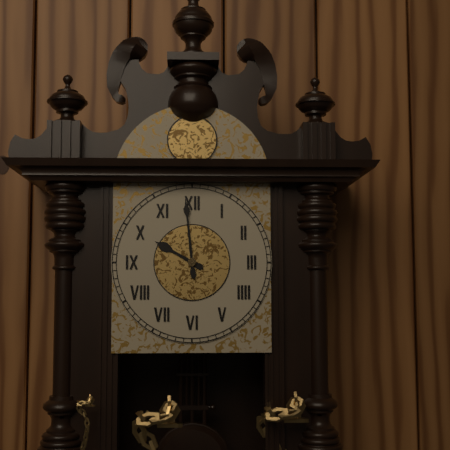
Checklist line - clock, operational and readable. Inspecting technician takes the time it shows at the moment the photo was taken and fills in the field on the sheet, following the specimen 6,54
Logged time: 9,59
